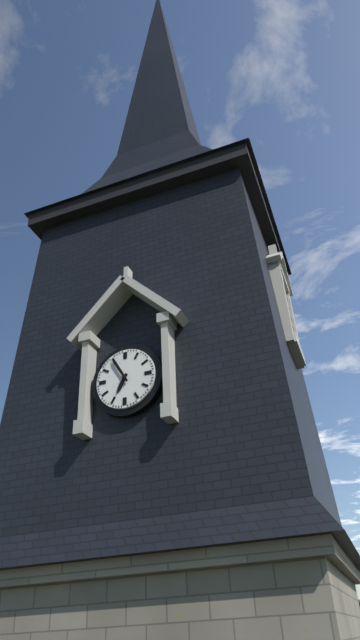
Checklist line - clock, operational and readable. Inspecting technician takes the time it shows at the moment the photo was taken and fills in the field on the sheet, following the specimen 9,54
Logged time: 6,55
